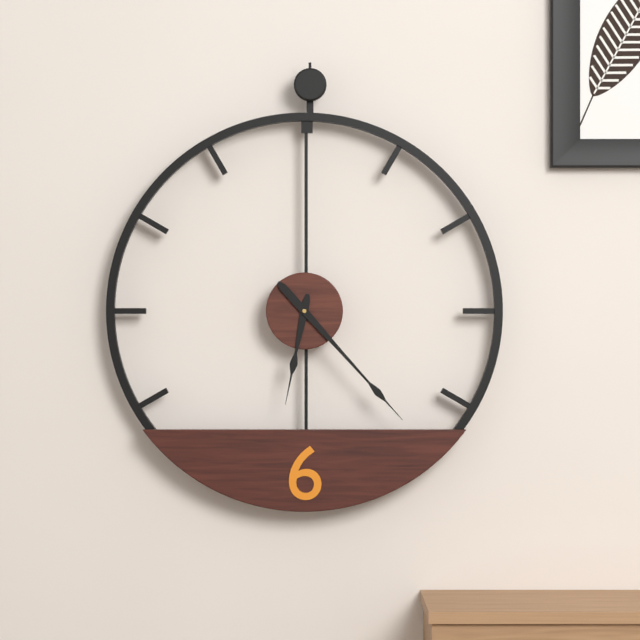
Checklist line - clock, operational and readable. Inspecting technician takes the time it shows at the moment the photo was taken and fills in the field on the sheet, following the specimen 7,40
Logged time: 6,23
